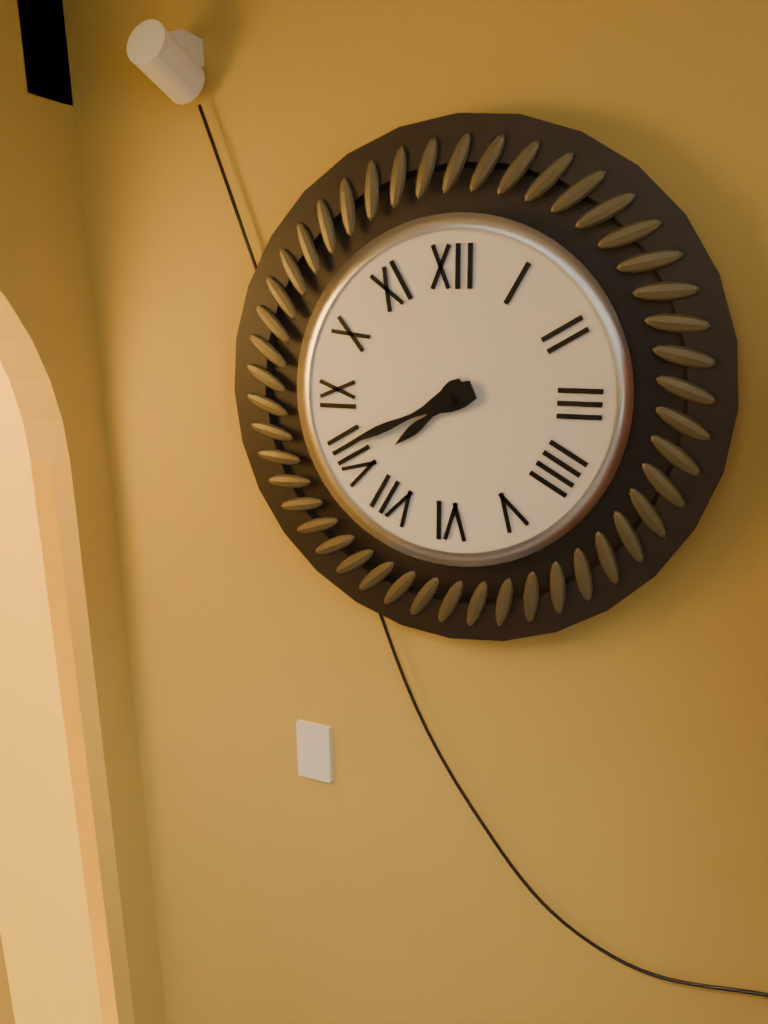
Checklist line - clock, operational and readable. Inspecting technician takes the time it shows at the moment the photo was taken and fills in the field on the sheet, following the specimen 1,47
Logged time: 7,41
